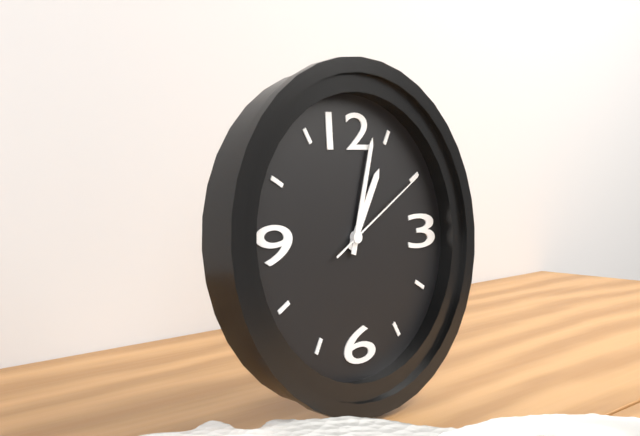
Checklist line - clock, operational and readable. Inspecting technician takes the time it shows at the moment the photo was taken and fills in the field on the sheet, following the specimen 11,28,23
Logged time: 1,03,10
